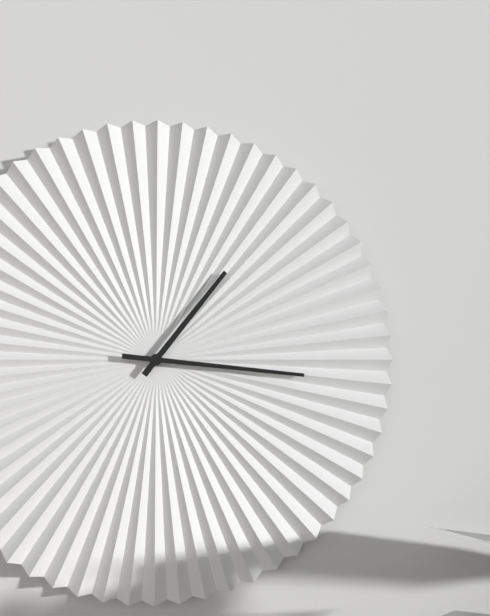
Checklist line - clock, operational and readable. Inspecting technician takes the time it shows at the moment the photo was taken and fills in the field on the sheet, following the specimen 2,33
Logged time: 1,16
